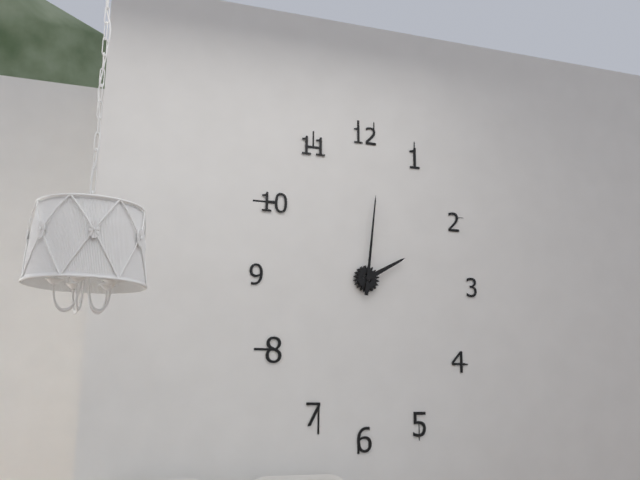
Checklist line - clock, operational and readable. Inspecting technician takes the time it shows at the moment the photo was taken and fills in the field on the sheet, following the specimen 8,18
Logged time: 2,01
